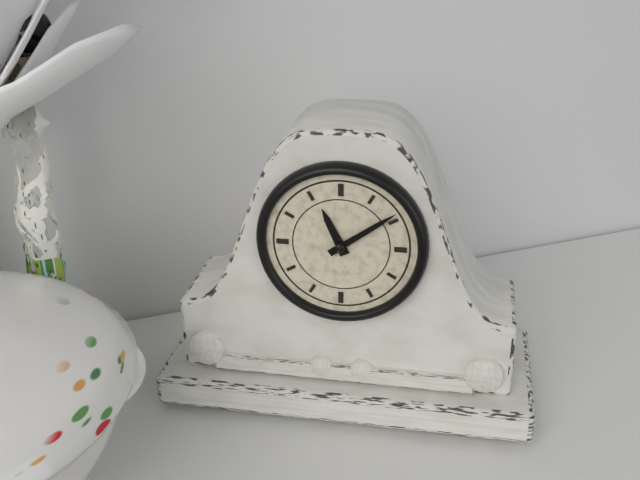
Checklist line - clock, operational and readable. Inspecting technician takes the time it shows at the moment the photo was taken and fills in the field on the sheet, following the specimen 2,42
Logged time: 11,09
